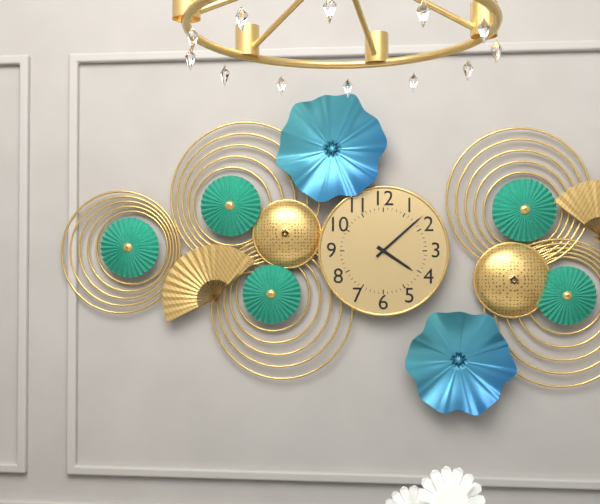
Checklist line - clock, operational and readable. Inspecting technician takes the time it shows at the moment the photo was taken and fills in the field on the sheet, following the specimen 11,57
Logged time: 4,08
